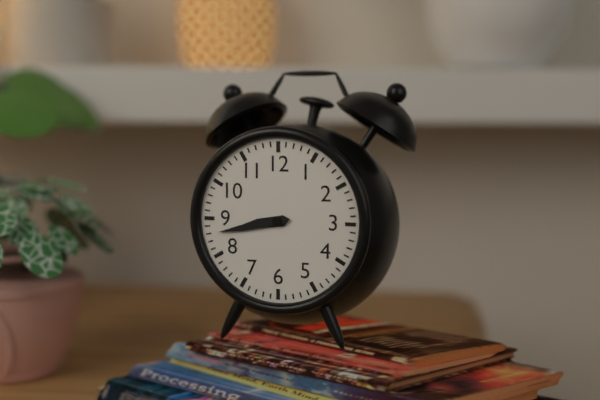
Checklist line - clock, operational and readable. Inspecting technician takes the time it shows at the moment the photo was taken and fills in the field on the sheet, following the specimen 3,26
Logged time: 8,43
